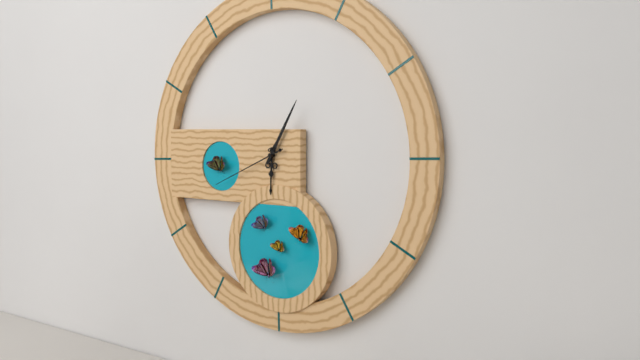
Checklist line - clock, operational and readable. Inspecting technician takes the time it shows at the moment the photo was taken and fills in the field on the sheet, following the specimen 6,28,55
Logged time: 6,05,41
